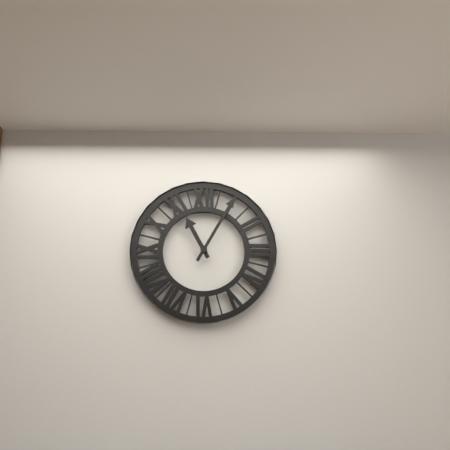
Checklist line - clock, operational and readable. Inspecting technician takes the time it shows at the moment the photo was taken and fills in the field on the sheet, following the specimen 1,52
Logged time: 11,05
